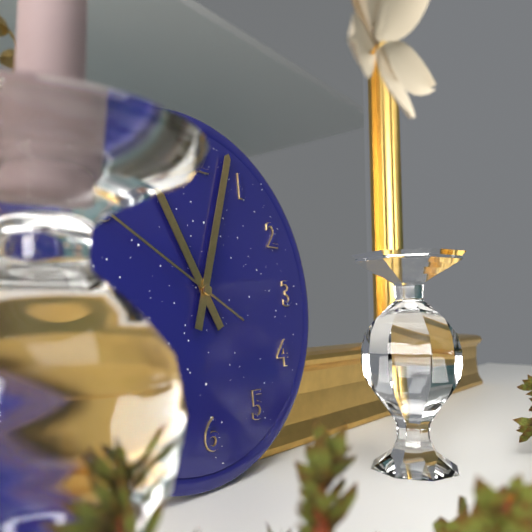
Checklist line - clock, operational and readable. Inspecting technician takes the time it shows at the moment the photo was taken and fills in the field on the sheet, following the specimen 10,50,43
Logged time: 11,03,50
